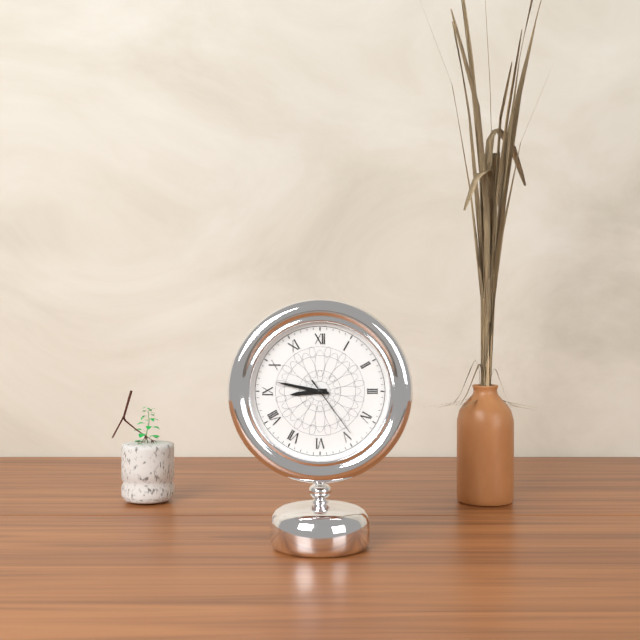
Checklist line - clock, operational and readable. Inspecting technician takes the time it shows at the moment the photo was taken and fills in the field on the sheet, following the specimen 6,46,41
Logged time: 8,47,24
